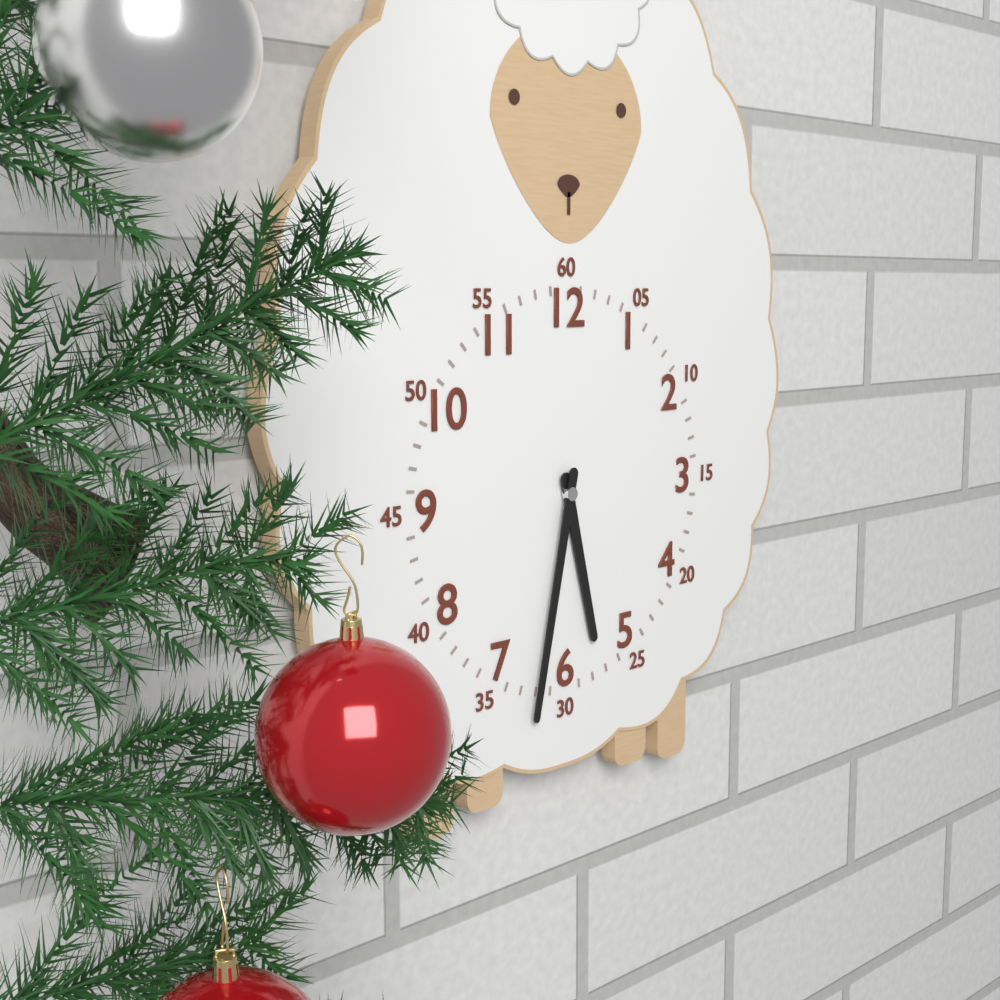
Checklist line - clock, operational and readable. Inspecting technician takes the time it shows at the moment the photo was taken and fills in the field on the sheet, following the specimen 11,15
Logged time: 5,32
